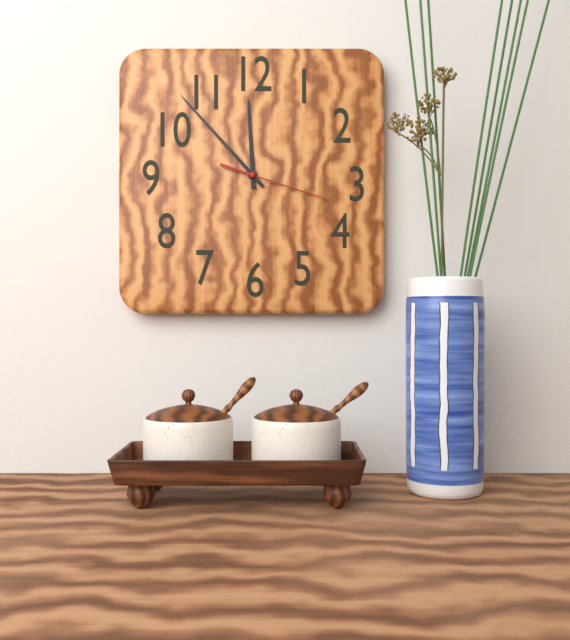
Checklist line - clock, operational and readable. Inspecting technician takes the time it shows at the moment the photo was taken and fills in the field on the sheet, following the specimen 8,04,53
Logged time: 11,53,18
